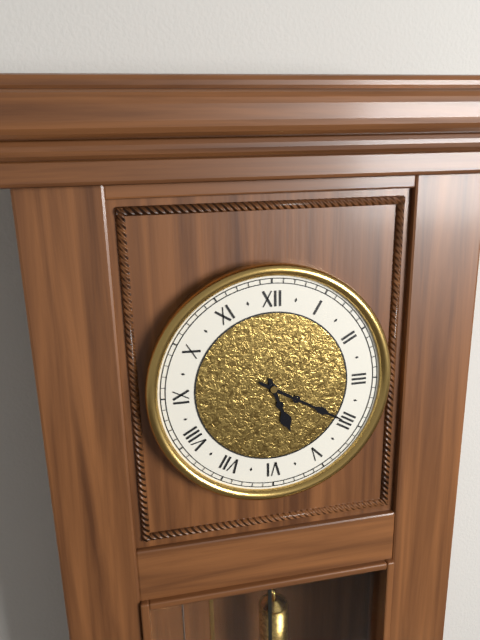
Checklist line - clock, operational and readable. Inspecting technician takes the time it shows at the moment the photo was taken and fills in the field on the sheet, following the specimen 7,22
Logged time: 5,20
